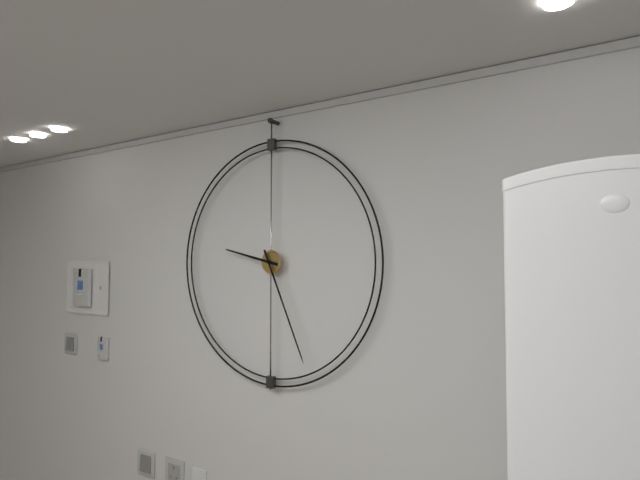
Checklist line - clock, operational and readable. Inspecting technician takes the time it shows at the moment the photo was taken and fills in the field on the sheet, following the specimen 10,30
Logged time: 9,26
